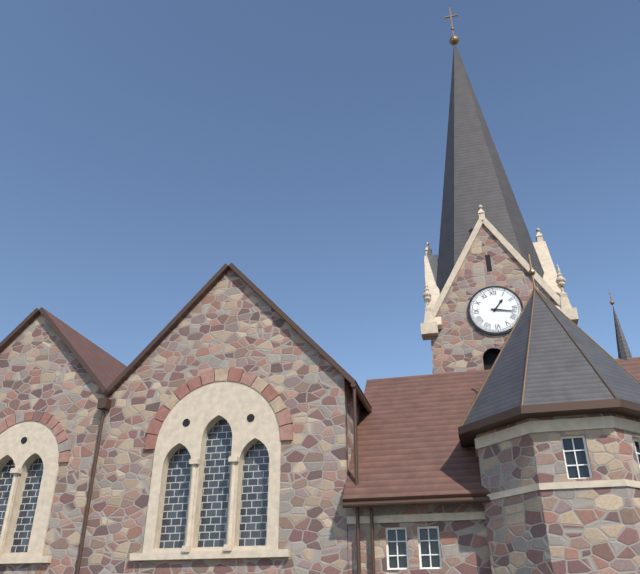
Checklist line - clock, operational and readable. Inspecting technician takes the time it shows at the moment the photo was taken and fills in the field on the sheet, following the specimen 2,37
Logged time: 1,17
